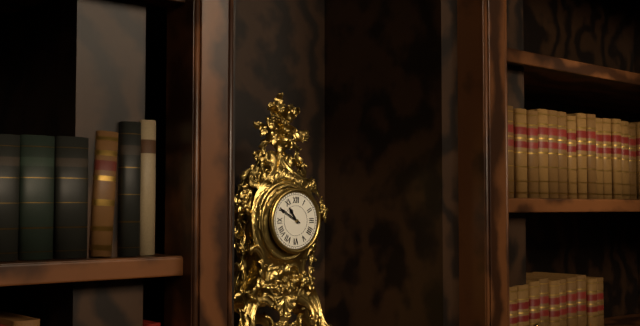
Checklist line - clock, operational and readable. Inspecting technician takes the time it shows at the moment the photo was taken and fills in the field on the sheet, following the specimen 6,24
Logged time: 10,50
